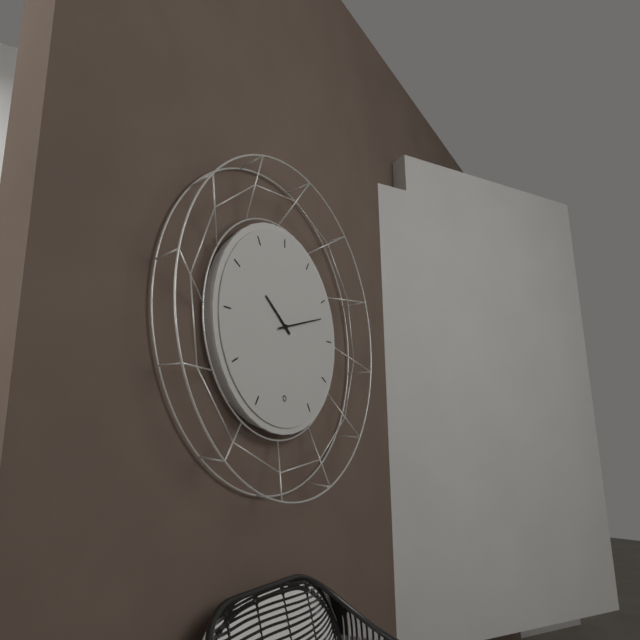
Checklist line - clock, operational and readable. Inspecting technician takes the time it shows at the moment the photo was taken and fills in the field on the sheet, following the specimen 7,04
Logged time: 10,12
